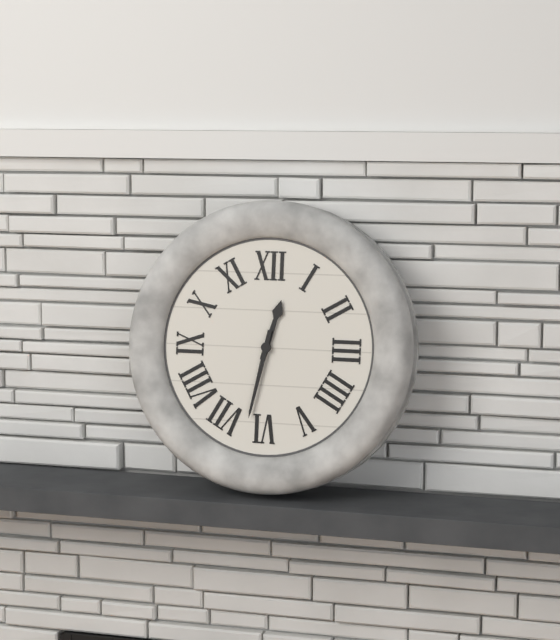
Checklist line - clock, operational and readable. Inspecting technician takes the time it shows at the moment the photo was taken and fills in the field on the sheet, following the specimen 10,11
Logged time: 12,32
